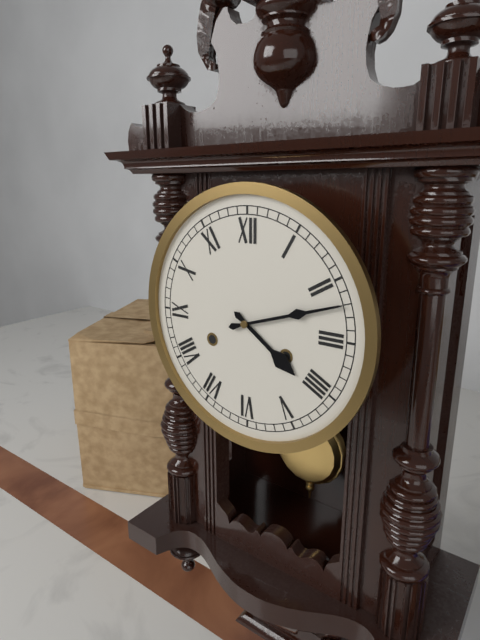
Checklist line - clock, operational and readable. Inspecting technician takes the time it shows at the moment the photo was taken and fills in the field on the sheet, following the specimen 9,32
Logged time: 4,12
